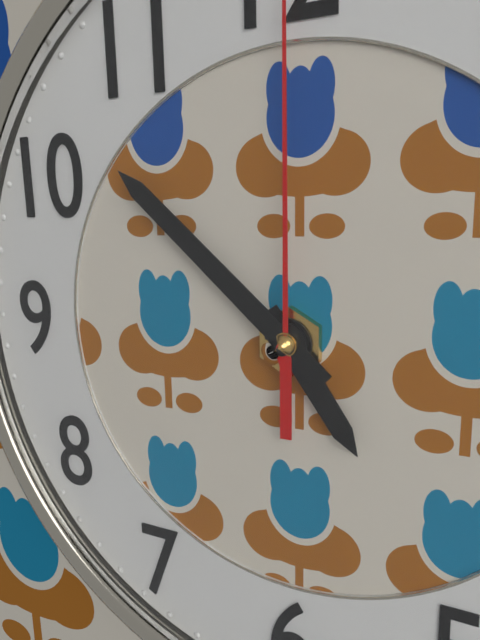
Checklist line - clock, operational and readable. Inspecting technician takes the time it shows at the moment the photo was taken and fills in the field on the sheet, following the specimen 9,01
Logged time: 4,52
